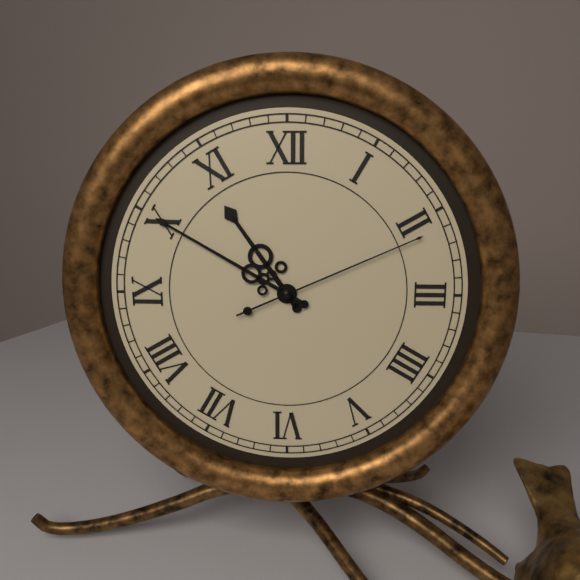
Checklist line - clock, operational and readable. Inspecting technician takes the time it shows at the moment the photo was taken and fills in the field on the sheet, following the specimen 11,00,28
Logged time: 10,50,11
